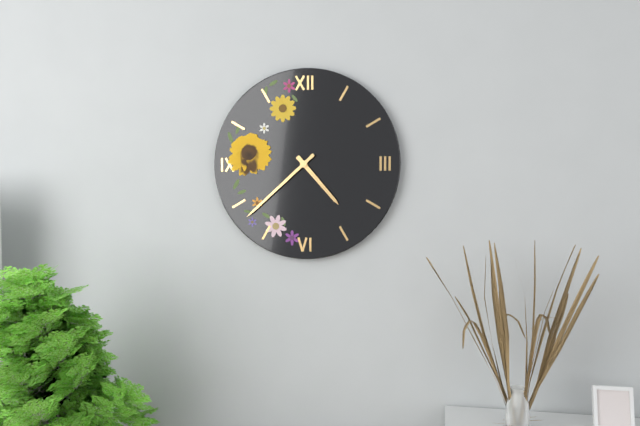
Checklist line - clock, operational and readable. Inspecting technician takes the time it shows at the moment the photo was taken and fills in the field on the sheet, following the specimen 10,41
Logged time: 4,38
